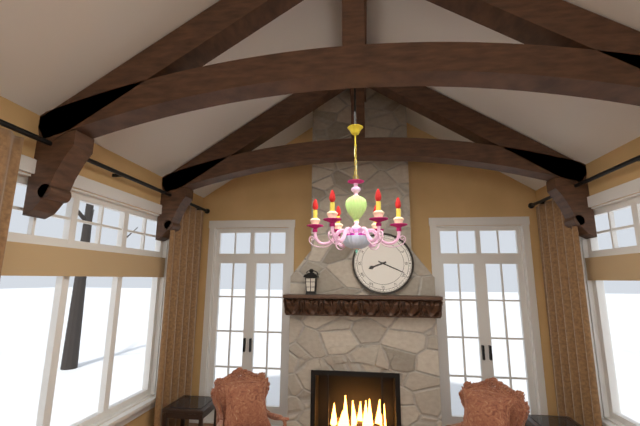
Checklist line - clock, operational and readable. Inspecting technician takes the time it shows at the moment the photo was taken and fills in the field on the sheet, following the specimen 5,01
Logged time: 8,19
